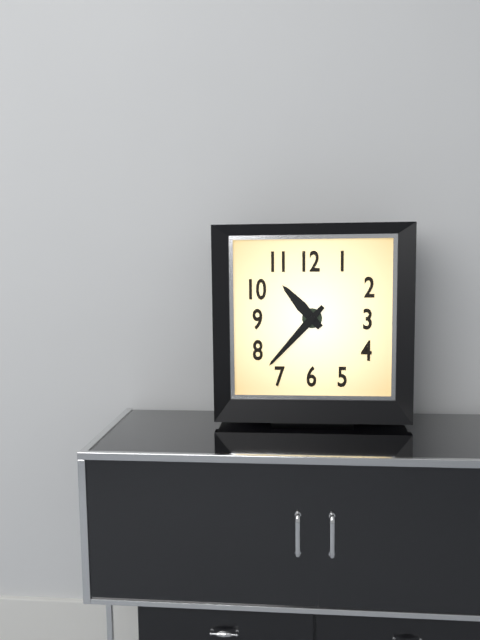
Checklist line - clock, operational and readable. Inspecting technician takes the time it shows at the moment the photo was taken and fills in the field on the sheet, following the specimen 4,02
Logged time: 10,37
